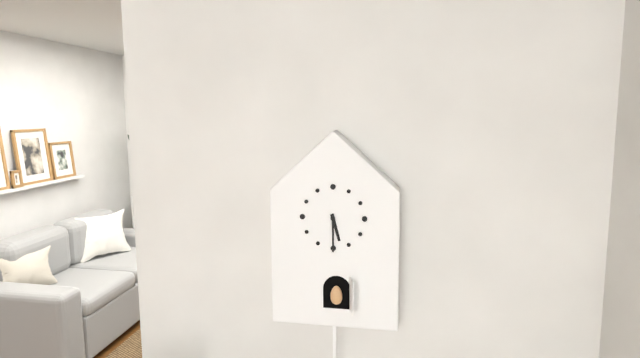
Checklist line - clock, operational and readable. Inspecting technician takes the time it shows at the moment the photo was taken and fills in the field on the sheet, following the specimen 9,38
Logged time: 5,30
